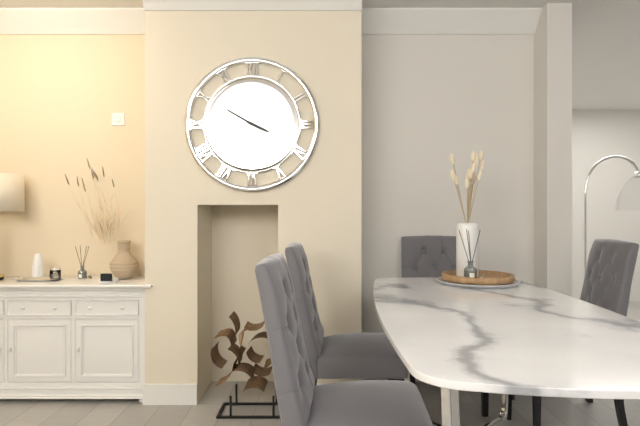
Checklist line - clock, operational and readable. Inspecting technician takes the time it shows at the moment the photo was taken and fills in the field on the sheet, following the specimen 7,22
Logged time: 3,50
